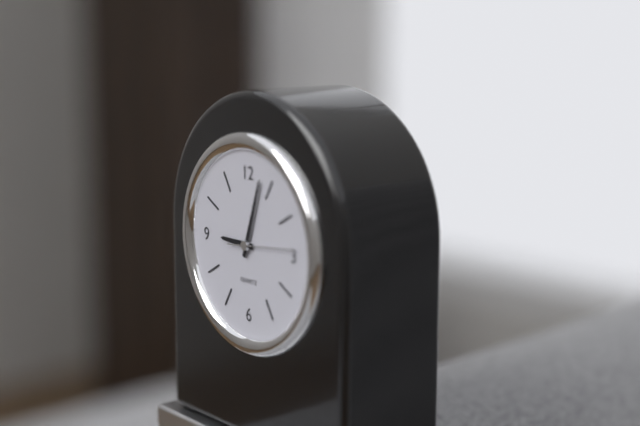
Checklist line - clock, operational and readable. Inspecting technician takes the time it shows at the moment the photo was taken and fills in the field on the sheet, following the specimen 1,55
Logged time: 9,03
